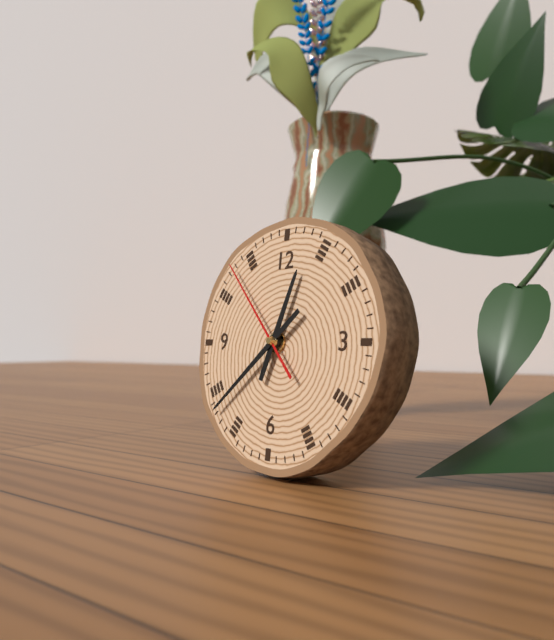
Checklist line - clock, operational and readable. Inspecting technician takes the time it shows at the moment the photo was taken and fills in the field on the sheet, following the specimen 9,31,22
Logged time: 12,38,53
